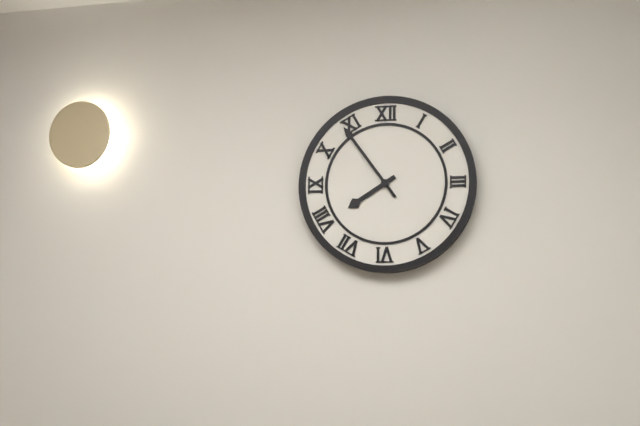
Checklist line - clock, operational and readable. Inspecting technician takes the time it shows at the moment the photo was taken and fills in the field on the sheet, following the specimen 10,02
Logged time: 7,54
